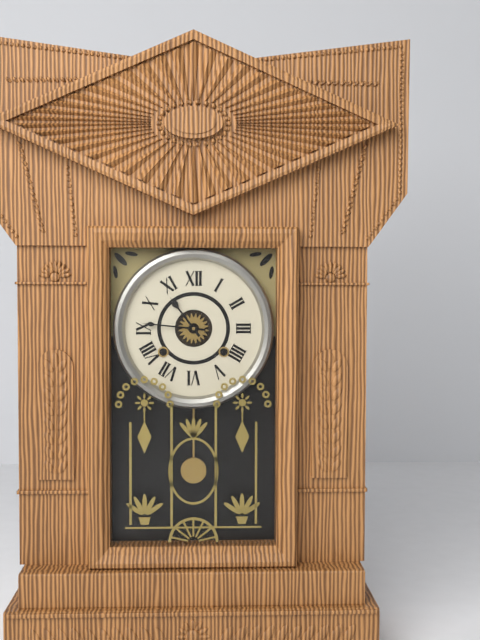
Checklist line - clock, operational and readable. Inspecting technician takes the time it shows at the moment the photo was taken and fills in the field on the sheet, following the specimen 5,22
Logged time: 10,46
